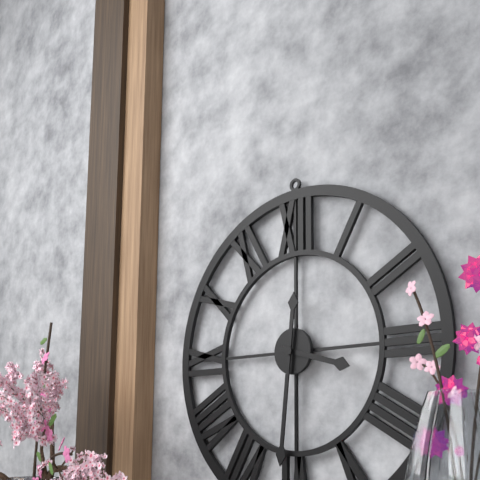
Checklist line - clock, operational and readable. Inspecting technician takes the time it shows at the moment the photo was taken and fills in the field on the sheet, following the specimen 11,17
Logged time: 3,31
